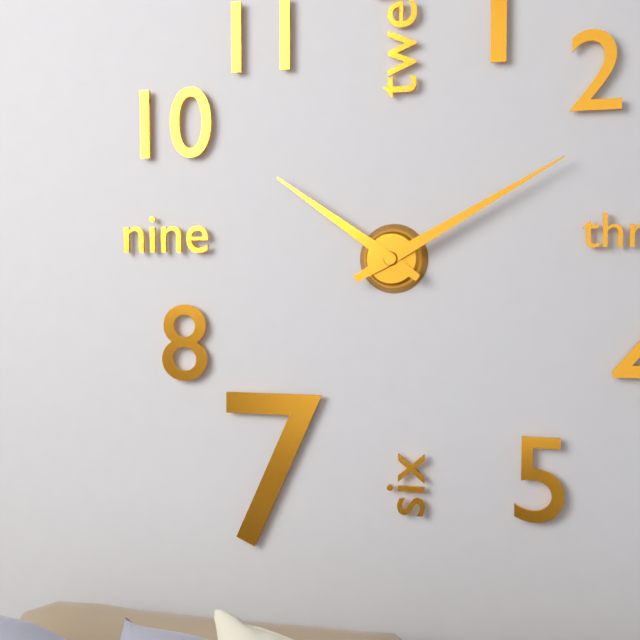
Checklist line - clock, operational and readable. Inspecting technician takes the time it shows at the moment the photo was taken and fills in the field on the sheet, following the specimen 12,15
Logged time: 10,10
